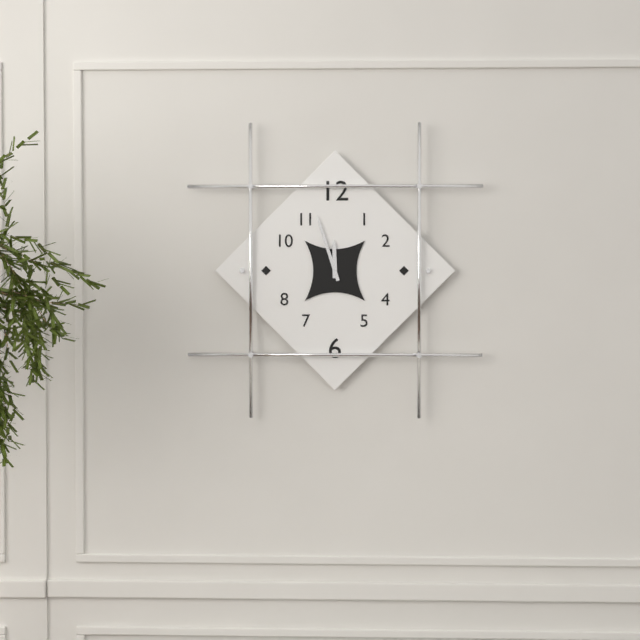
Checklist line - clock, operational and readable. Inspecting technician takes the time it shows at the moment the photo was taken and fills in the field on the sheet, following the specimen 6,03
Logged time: 11,57
